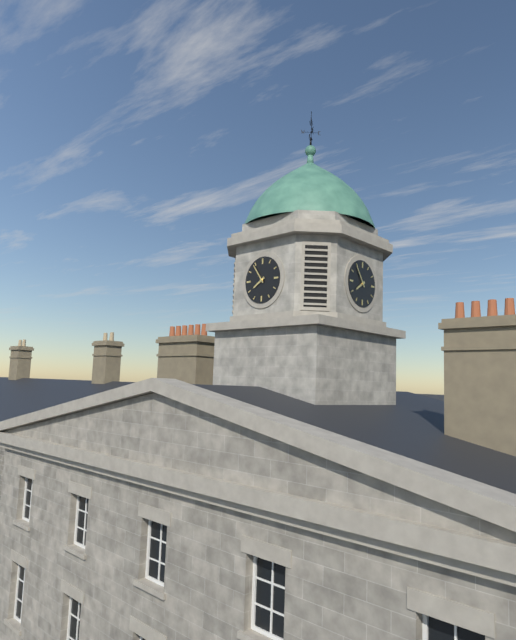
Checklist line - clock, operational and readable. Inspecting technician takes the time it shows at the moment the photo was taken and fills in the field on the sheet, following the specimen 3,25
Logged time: 7,54
